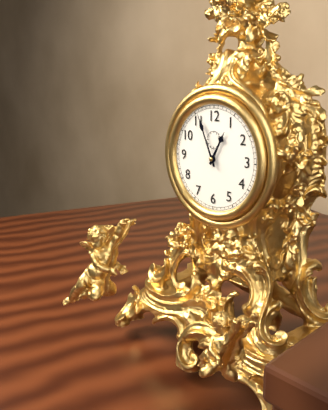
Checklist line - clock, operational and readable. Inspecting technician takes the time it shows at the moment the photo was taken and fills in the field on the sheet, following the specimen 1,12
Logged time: 12,56
